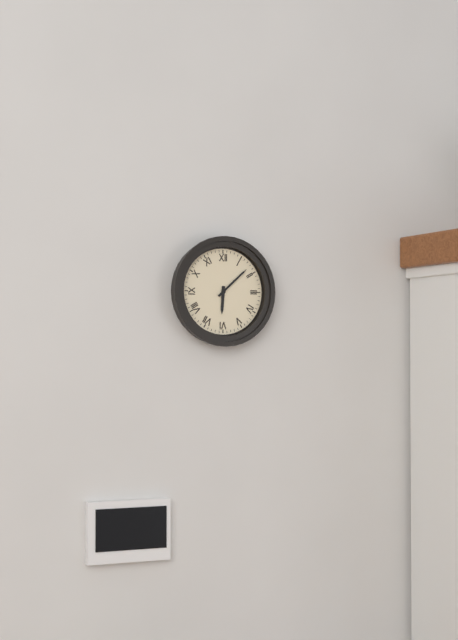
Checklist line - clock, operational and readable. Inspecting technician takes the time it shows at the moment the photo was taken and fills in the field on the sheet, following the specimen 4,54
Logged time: 6,08
